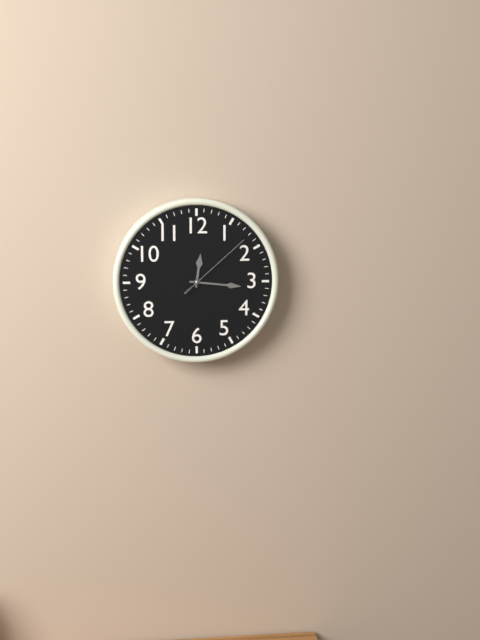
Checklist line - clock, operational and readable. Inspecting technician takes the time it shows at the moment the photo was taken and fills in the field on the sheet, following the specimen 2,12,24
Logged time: 12,16,08
